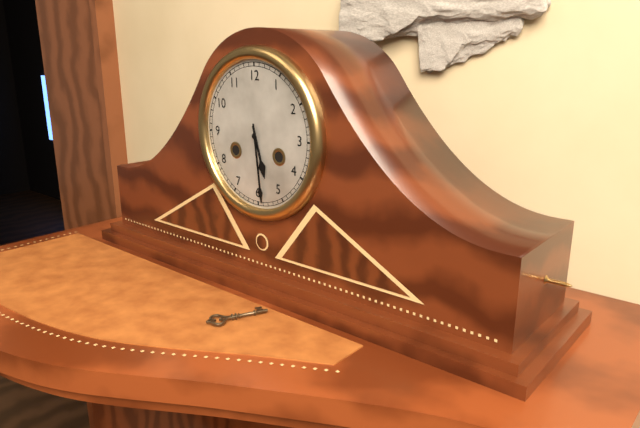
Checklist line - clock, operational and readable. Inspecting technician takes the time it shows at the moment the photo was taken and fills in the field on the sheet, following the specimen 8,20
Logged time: 5,29
